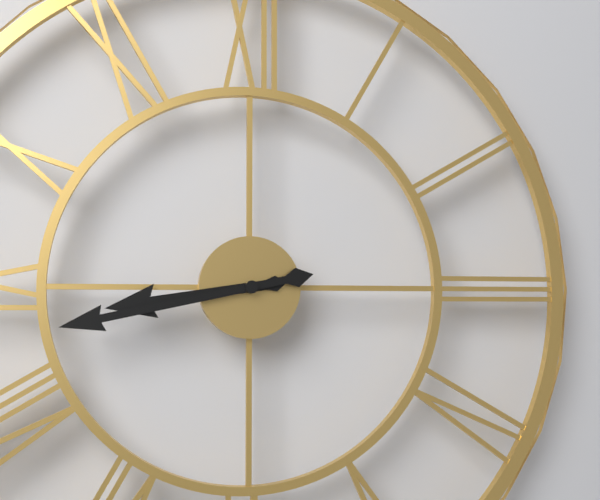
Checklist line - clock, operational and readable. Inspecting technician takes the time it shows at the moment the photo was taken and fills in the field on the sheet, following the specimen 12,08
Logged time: 8,43
